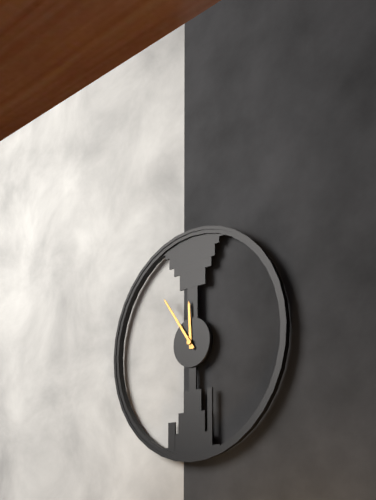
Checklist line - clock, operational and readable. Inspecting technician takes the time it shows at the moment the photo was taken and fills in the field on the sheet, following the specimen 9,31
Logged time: 11,54
